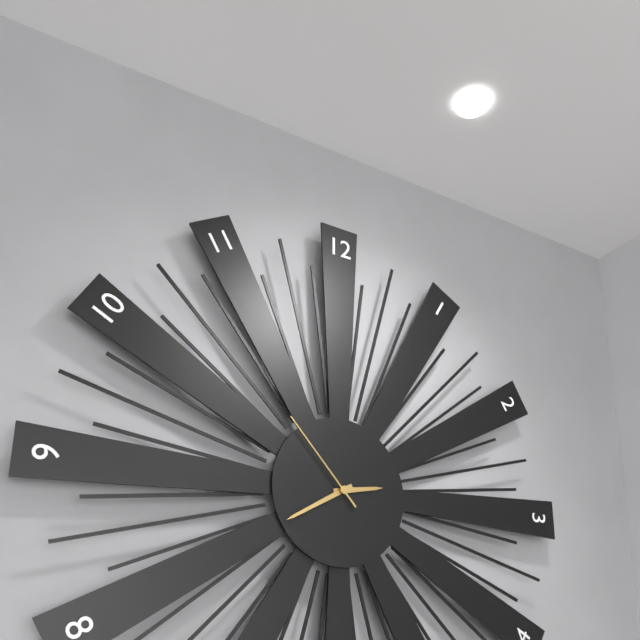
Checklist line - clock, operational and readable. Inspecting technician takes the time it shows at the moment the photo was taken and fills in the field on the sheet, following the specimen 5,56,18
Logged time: 2,40,53
